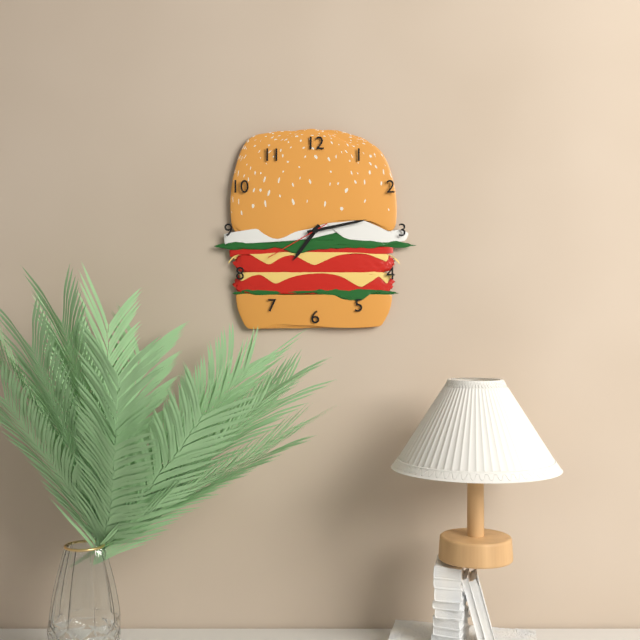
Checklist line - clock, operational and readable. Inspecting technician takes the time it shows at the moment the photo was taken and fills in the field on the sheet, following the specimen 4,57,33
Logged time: 7,13,40
